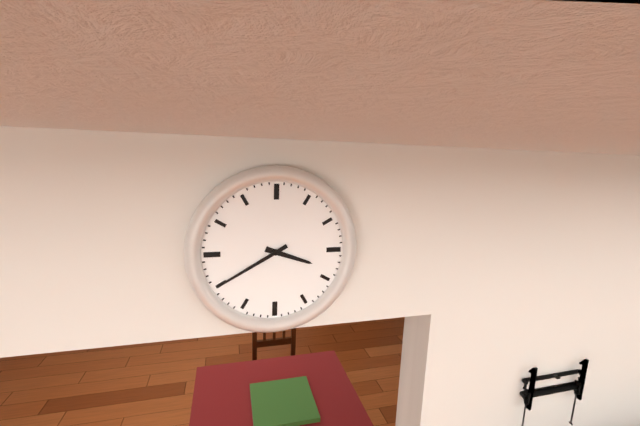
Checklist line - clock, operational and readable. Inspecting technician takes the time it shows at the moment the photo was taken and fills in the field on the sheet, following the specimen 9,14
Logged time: 3,40
